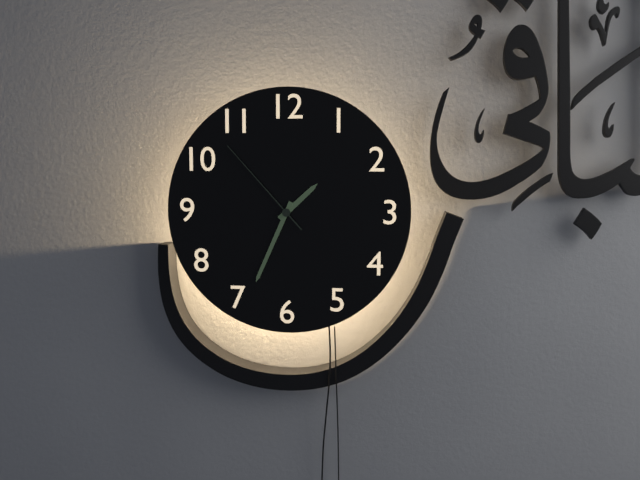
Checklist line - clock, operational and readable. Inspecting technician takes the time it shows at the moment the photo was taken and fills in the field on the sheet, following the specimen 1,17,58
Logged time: 1,34,53
